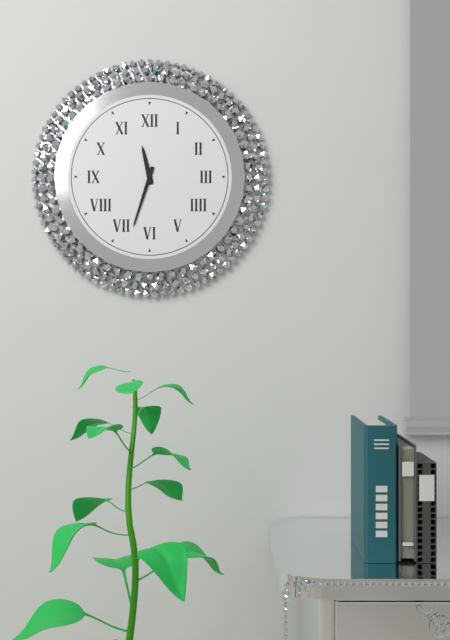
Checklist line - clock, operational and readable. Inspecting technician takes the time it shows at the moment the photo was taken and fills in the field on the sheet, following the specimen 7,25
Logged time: 11,33
